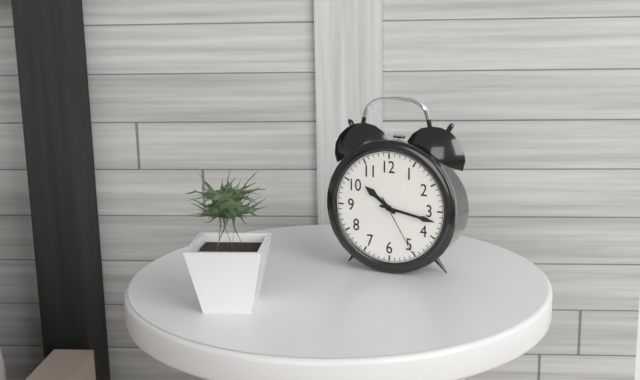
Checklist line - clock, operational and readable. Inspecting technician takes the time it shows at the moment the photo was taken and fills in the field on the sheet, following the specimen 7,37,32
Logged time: 10,17,25
